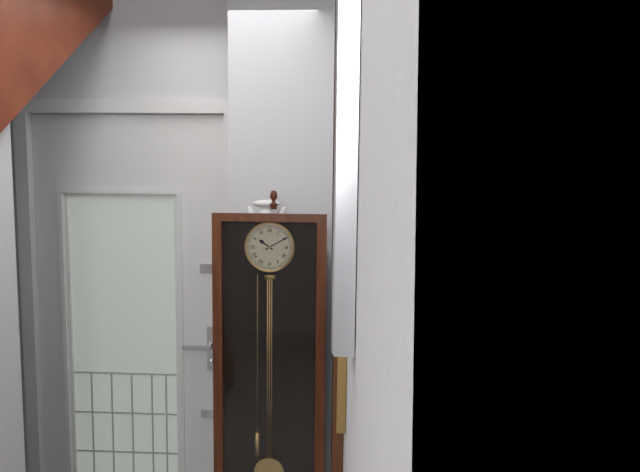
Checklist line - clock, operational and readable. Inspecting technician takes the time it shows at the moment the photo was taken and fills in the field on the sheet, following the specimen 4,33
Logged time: 10,10
